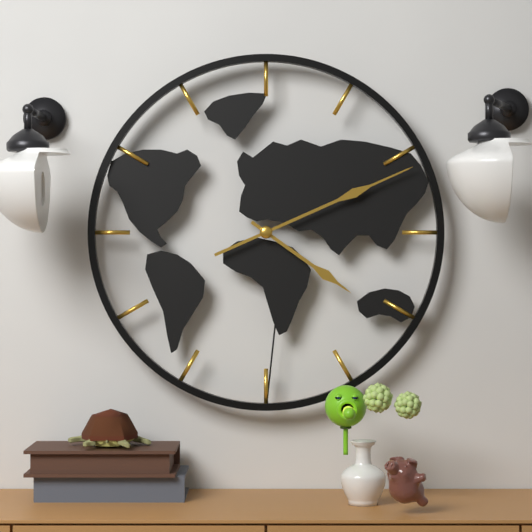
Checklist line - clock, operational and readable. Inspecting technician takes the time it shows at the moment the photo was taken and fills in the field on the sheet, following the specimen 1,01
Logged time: 4,11
